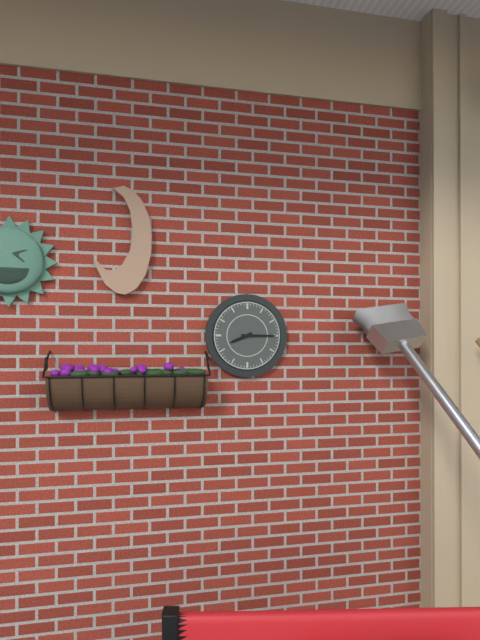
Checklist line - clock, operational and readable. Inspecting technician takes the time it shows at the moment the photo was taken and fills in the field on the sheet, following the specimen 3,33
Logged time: 8,15
